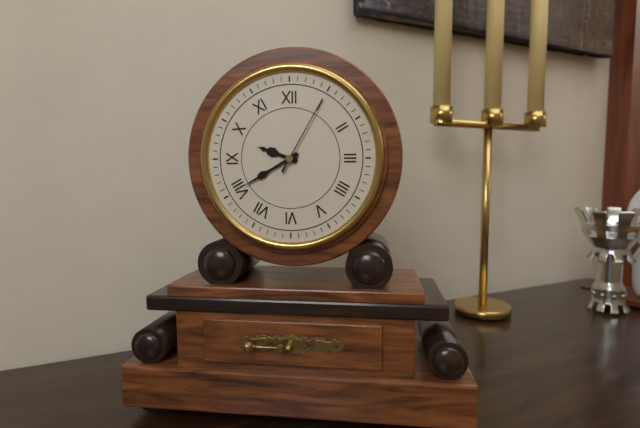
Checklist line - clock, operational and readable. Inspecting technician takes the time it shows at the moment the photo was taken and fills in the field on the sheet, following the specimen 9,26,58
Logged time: 9,40,05
